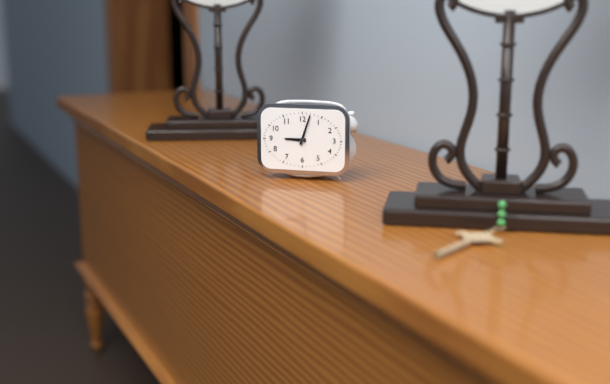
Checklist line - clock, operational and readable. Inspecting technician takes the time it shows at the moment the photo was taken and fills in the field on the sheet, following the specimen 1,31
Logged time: 9,03
